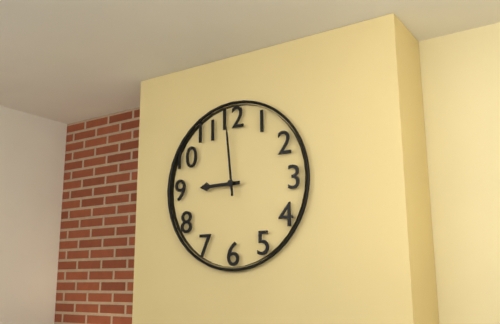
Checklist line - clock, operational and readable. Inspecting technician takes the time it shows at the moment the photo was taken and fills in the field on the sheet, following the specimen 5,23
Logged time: 8,59
